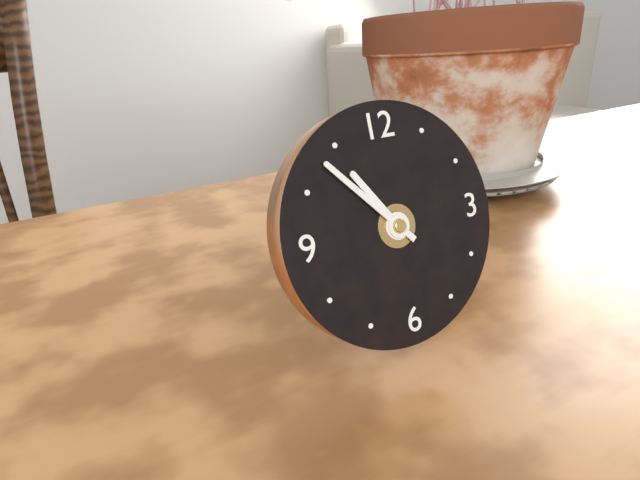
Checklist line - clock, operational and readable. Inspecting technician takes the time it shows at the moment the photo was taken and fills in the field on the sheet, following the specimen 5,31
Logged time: 10,53
